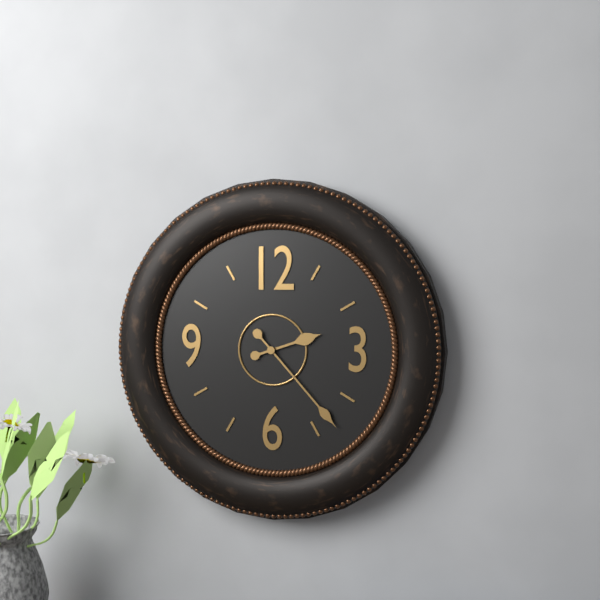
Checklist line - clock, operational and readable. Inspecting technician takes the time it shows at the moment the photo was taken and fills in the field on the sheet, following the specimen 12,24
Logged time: 2,23
